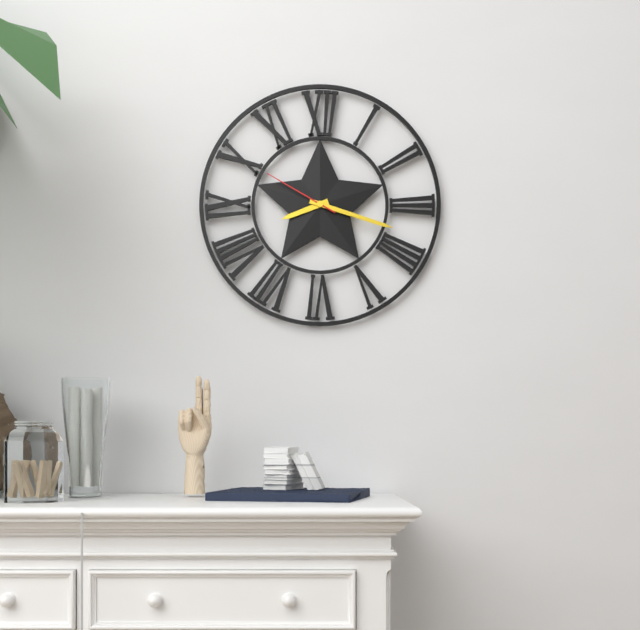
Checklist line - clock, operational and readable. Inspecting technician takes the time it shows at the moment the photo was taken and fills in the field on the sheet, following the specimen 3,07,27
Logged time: 8,18,50
